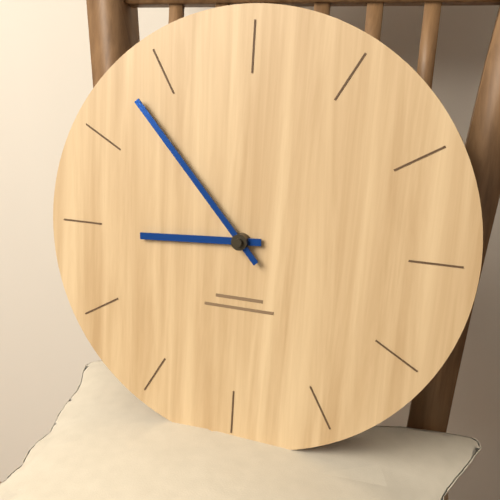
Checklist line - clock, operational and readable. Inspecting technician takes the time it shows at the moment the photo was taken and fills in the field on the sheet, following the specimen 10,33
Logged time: 8,53
